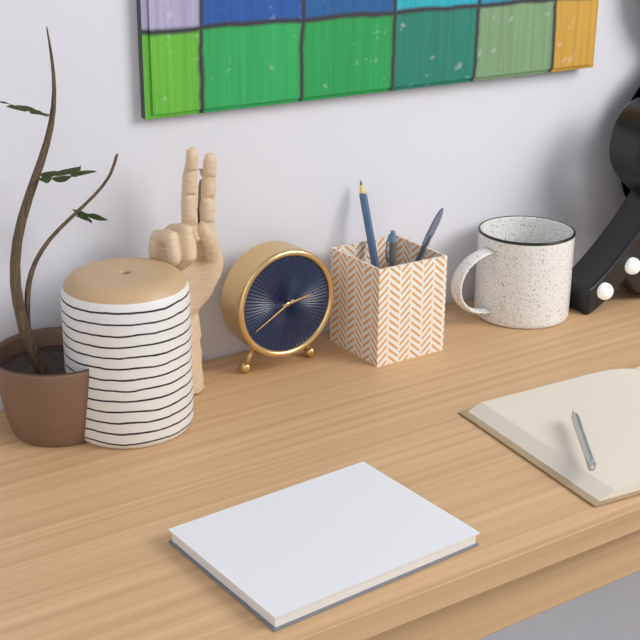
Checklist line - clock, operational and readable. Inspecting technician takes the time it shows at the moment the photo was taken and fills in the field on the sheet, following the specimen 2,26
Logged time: 2,40
